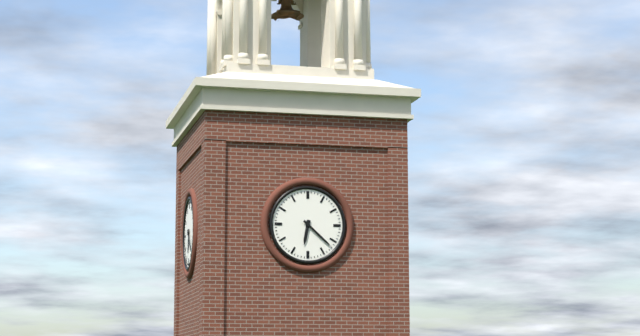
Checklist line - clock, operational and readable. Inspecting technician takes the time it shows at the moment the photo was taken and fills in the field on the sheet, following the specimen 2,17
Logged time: 6,22
